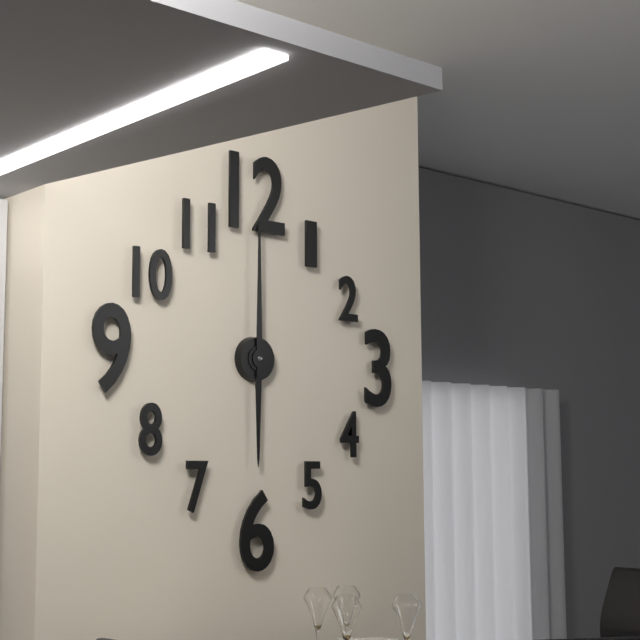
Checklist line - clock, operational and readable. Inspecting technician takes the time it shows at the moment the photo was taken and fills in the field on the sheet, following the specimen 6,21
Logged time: 6,00
